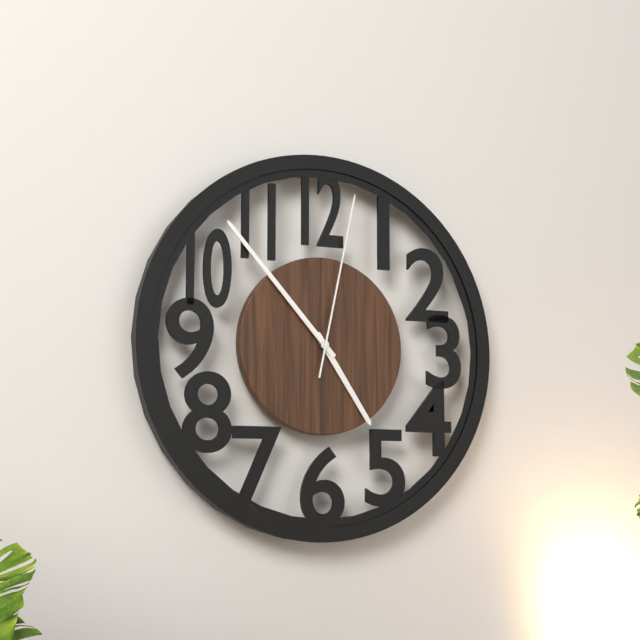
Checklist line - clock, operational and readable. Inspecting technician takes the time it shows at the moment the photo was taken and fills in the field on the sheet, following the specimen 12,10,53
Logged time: 4,53,02
